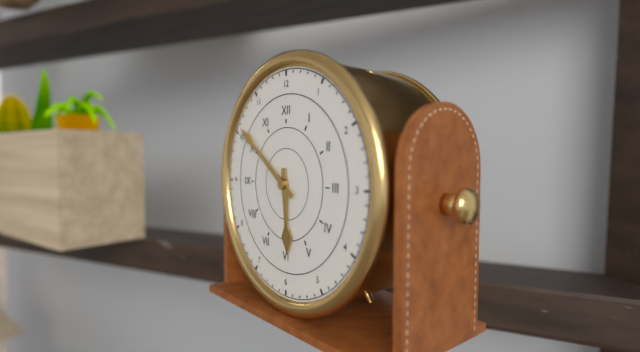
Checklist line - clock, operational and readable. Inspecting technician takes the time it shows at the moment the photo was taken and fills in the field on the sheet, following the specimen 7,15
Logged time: 5,51
